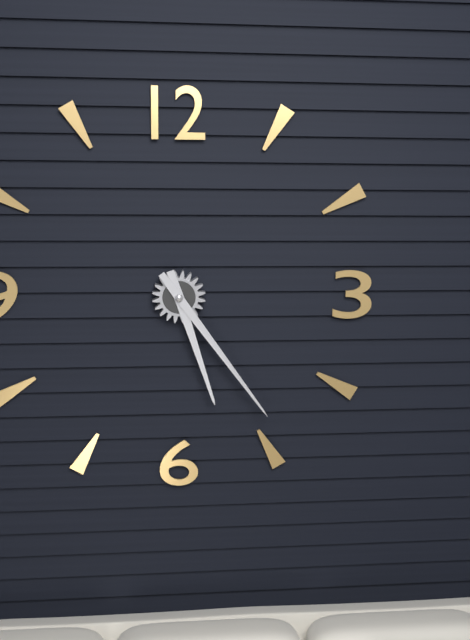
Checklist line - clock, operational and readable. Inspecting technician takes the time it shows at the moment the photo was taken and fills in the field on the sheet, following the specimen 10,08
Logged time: 5,24
